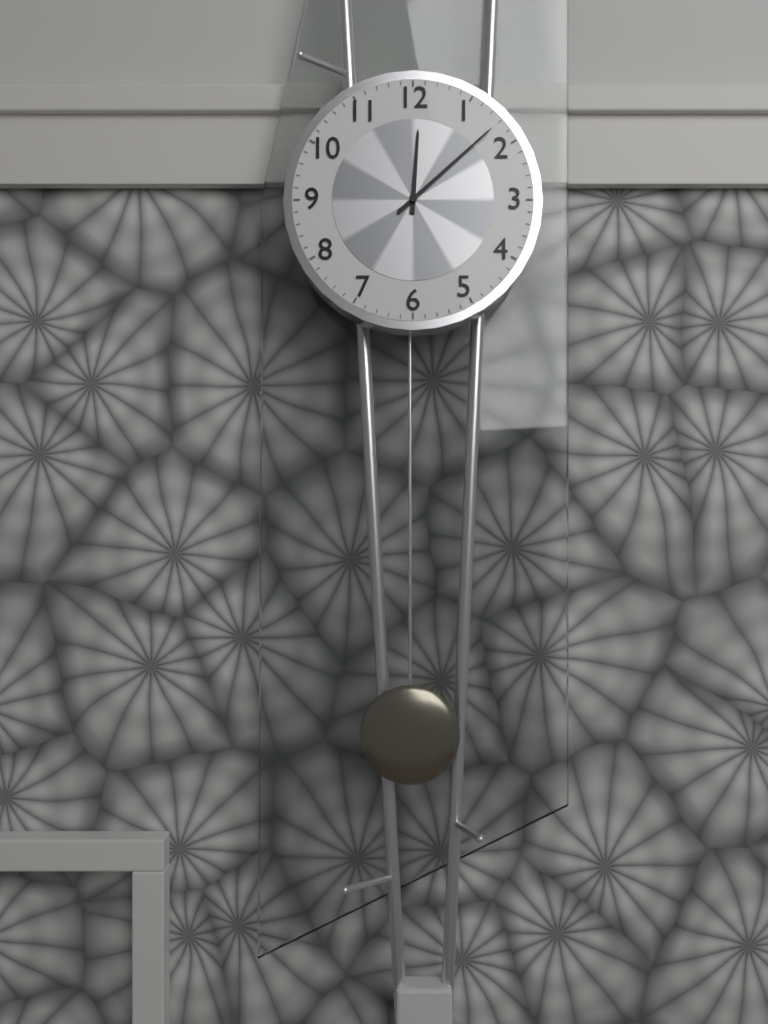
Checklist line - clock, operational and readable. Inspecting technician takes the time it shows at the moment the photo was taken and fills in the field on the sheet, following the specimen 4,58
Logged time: 12,08
